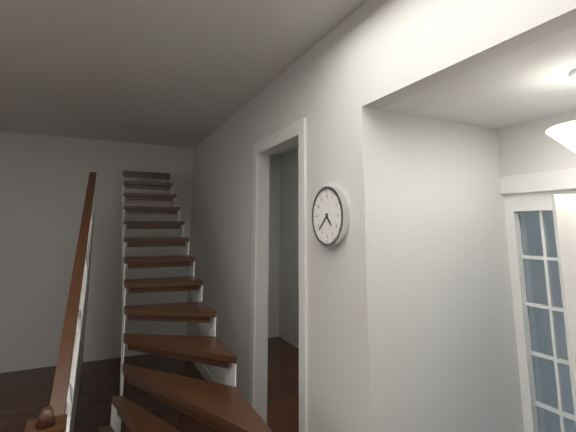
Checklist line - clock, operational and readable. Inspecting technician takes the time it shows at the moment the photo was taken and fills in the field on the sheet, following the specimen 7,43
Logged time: 4,38
